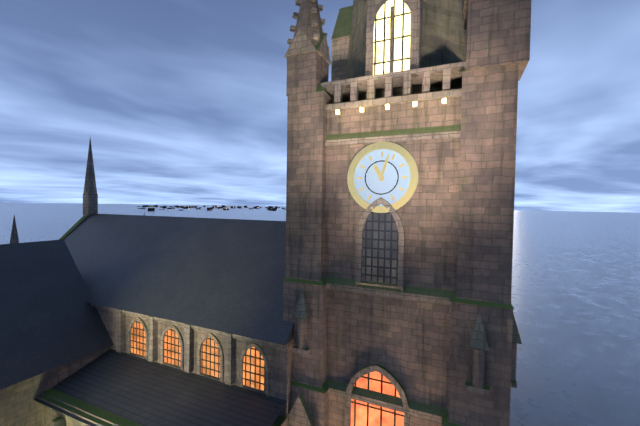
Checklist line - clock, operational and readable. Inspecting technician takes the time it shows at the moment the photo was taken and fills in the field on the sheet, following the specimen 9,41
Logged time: 11,03
